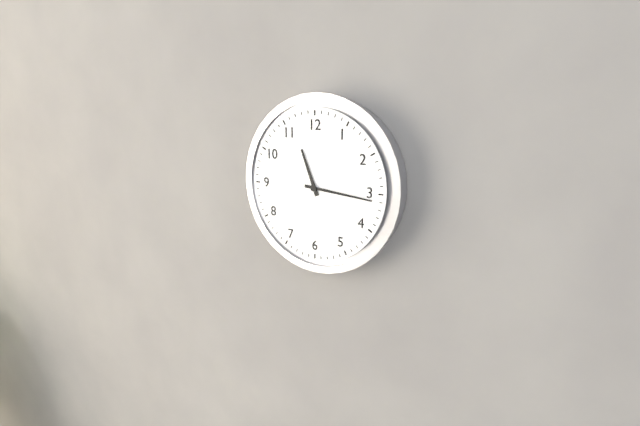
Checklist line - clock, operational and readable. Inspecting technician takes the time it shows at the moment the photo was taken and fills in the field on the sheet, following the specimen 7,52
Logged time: 11,16
